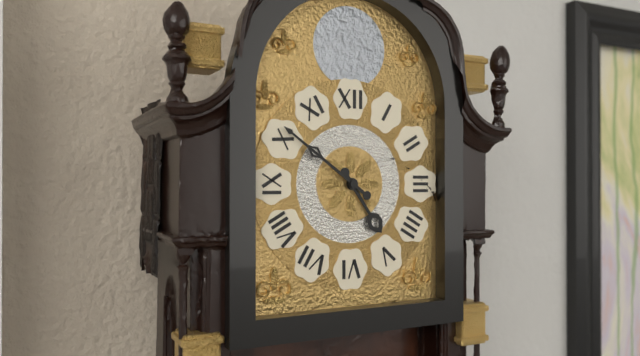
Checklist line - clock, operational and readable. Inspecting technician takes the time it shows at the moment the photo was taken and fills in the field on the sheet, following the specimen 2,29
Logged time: 4,51
